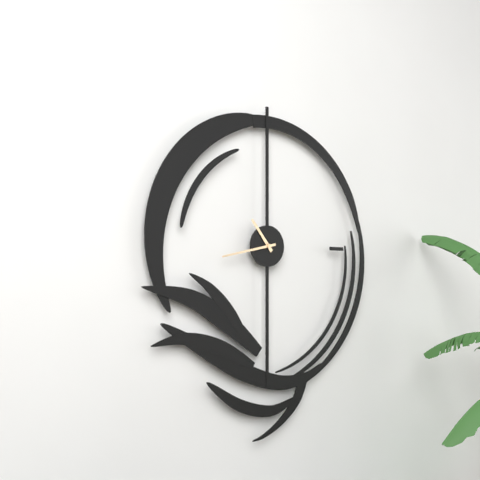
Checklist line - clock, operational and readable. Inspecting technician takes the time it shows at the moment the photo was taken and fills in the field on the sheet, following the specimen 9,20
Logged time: 10,43
